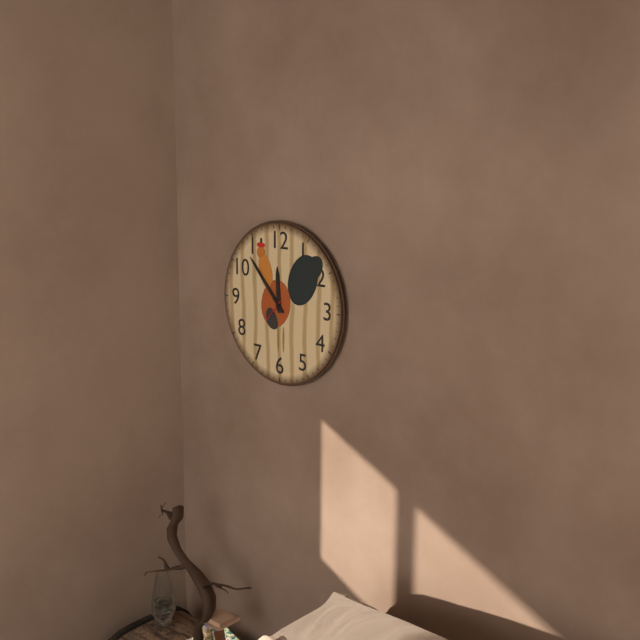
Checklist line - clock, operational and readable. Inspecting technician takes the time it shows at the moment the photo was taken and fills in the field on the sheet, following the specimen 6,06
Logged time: 11,53
